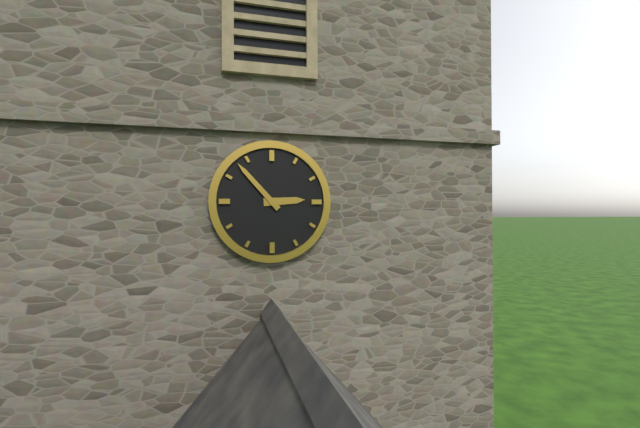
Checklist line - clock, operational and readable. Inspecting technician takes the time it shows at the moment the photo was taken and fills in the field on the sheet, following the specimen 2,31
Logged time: 2,53
